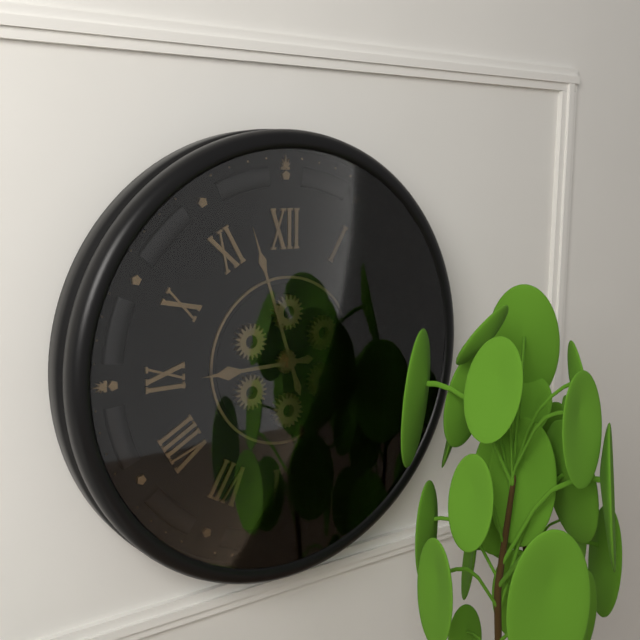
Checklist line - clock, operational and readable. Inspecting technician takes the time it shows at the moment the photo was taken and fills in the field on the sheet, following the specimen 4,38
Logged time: 8,57
